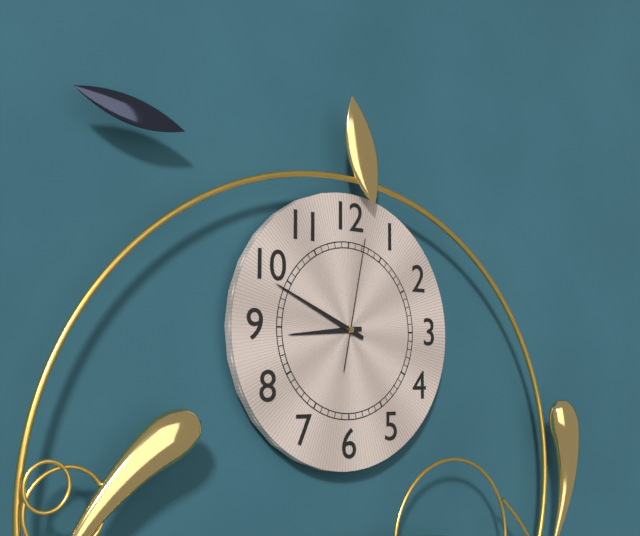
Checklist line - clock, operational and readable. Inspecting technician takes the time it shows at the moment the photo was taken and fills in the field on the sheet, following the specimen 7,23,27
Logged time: 8,49,02
